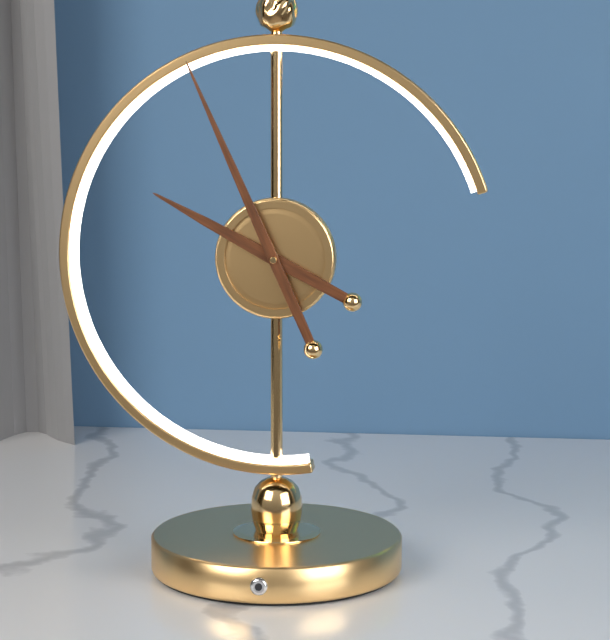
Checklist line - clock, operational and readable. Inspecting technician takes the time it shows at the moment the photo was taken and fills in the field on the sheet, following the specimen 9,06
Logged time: 9,56
